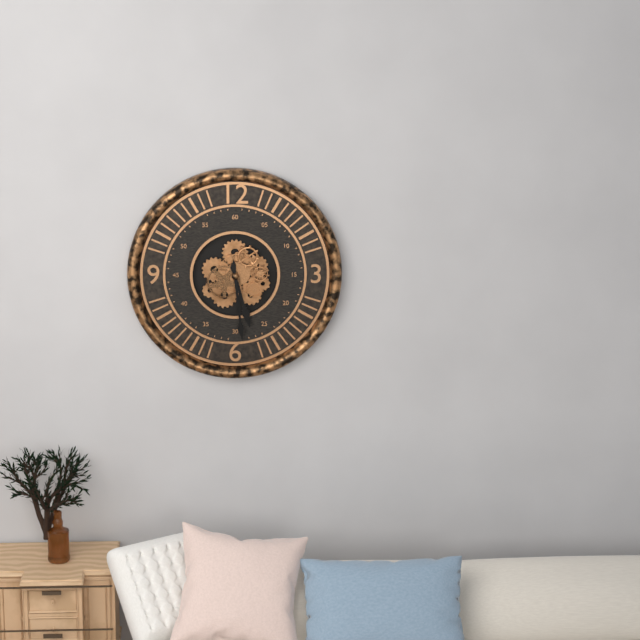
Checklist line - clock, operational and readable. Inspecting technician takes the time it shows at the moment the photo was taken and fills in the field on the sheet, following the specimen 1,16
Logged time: 5,29
